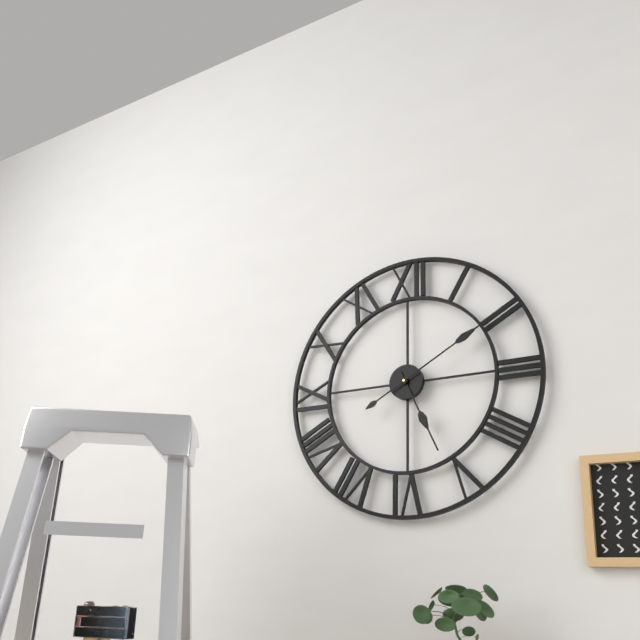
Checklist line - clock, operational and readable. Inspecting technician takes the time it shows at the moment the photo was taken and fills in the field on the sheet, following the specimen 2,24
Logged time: 5,10
